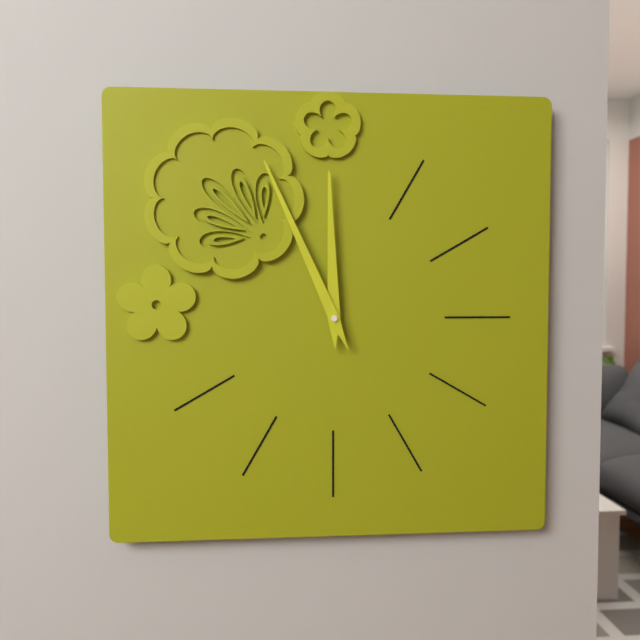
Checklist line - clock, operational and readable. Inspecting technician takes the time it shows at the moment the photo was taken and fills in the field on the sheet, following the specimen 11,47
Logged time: 11,56
